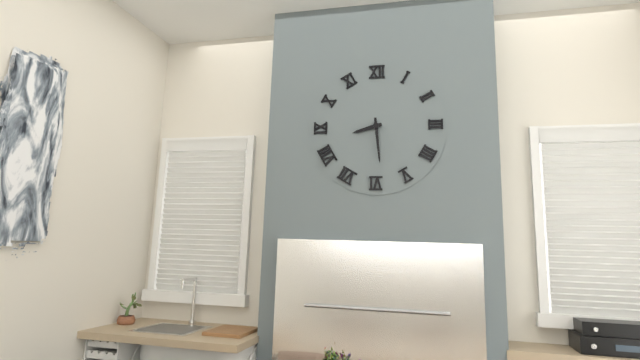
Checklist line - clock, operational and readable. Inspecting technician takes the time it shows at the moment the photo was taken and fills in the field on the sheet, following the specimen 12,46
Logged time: 8,29
